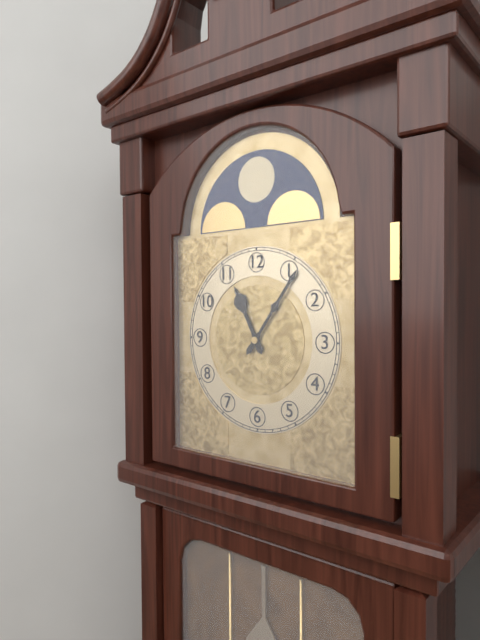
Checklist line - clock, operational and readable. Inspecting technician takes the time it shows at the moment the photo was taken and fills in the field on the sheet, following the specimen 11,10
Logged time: 11,06
